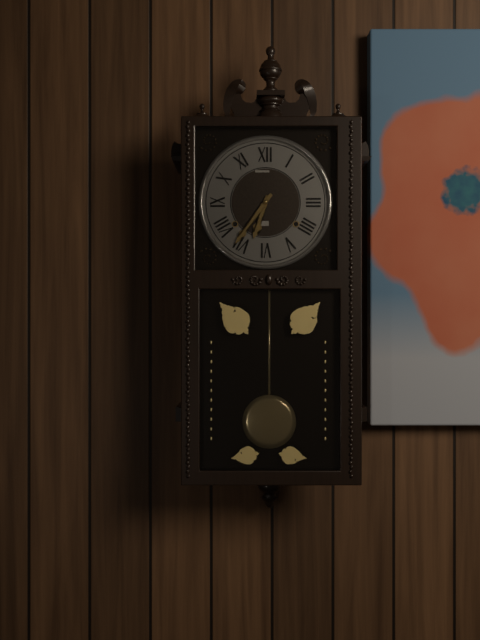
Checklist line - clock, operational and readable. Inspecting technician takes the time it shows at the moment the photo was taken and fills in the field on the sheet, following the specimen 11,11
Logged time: 6,36
